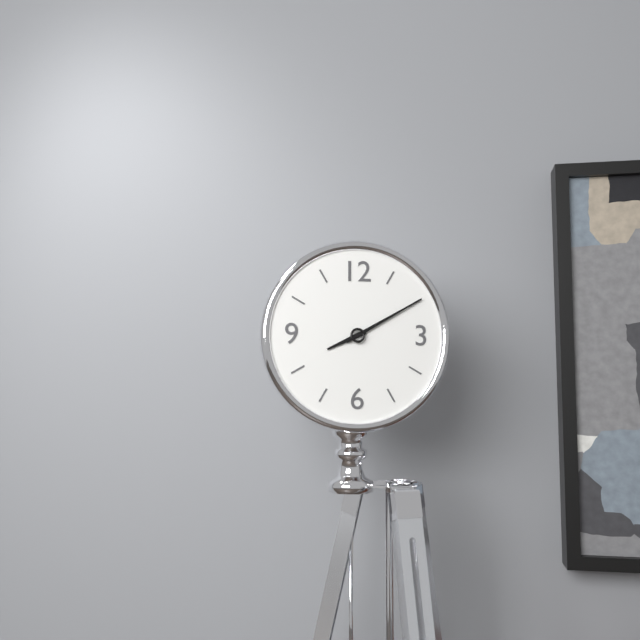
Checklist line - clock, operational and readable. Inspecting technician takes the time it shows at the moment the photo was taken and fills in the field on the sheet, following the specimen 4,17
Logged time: 8,10
